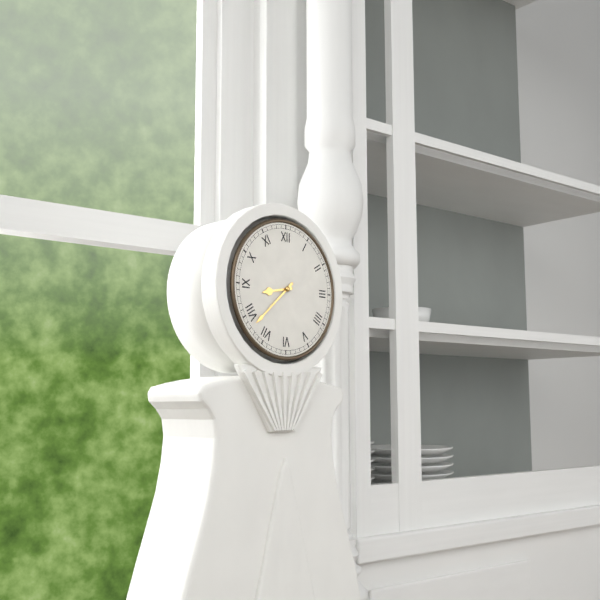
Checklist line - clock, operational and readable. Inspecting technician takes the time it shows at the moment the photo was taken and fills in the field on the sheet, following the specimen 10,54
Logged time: 8,38
